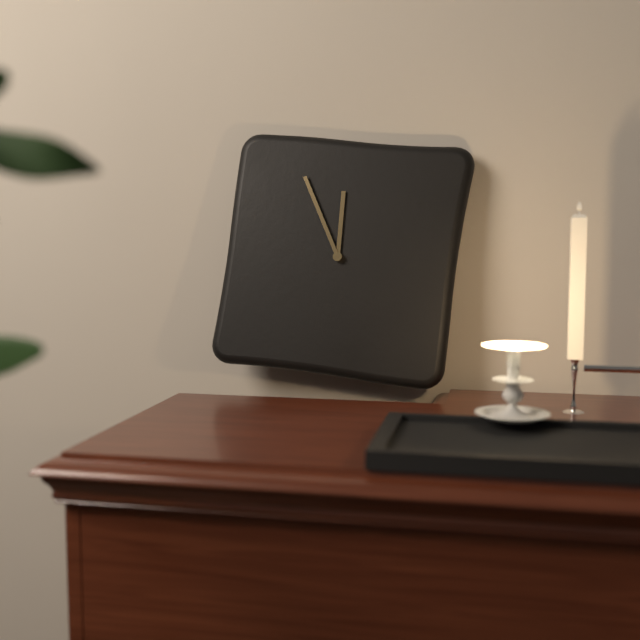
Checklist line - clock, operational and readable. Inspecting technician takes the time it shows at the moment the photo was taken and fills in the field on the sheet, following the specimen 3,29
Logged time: 11,55
